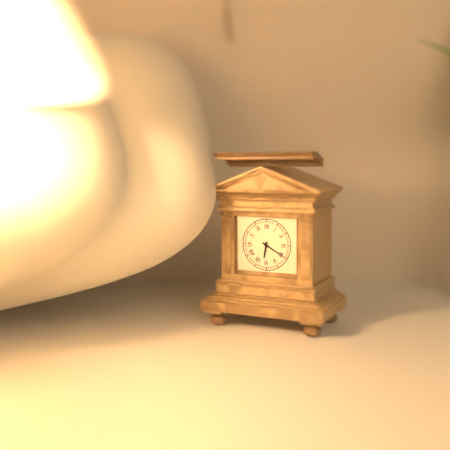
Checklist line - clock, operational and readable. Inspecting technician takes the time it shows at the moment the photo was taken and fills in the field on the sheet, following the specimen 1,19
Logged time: 6,20
